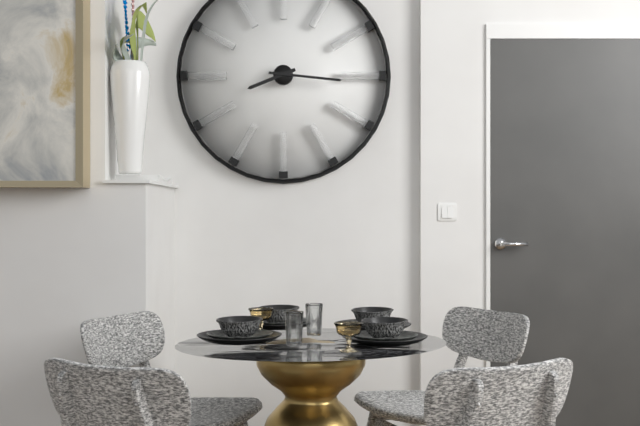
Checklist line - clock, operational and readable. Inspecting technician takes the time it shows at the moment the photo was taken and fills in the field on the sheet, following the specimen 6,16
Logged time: 8,16
